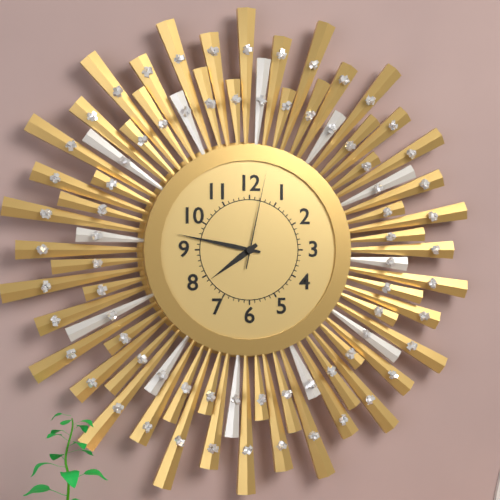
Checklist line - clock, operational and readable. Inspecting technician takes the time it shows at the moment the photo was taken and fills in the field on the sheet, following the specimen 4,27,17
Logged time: 7,47,02
